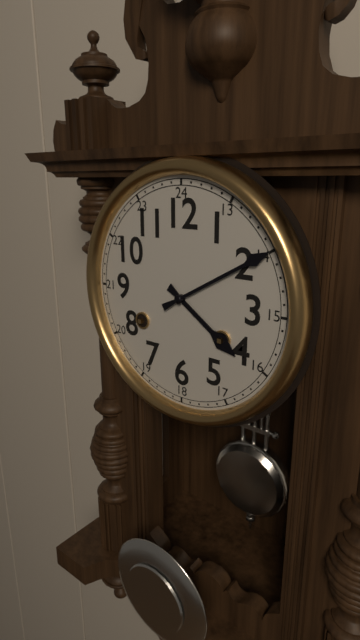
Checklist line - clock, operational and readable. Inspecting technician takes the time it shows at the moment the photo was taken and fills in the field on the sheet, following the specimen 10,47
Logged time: 4,10
